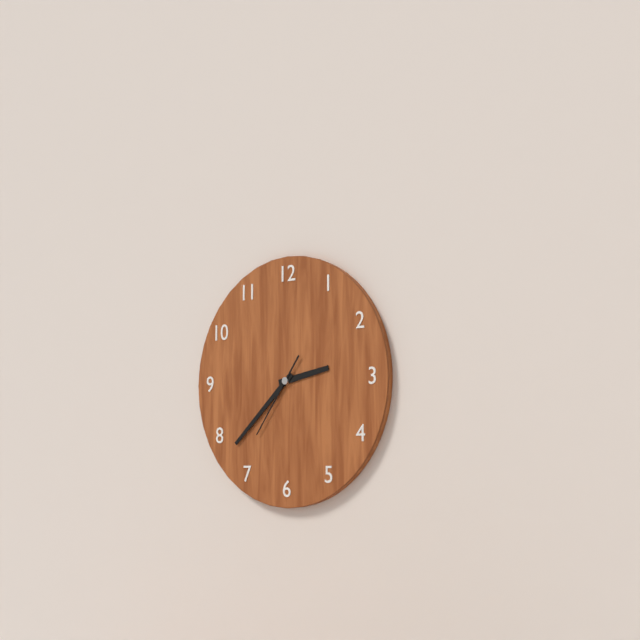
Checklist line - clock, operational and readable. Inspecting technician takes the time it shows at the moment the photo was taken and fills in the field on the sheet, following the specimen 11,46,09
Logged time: 2,38,36
